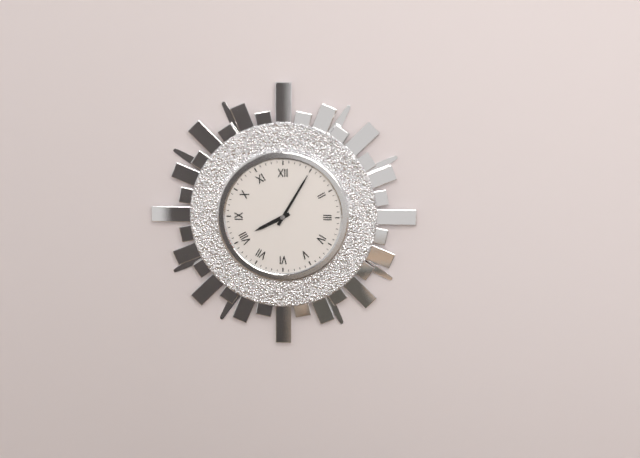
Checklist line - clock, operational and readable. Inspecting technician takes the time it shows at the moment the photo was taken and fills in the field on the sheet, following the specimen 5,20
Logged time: 8,05
